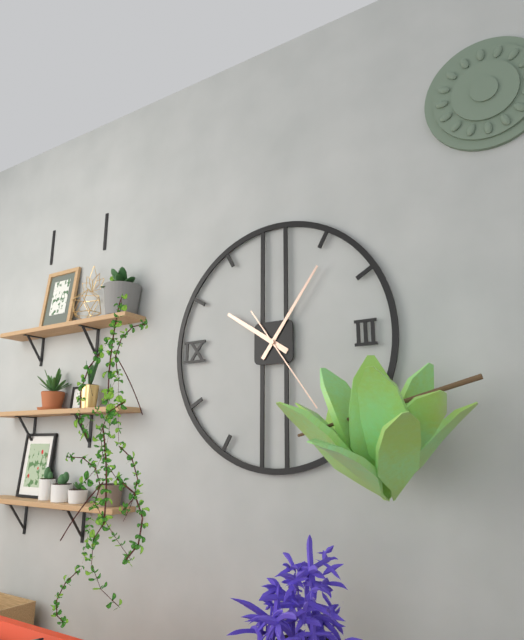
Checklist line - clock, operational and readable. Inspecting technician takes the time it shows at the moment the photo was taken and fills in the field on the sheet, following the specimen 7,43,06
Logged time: 10,06,24
